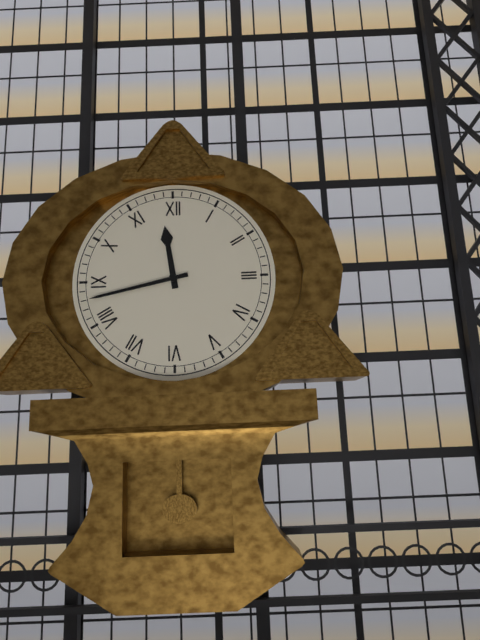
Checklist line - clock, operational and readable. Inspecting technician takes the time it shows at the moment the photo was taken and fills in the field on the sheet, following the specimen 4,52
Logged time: 11,43
